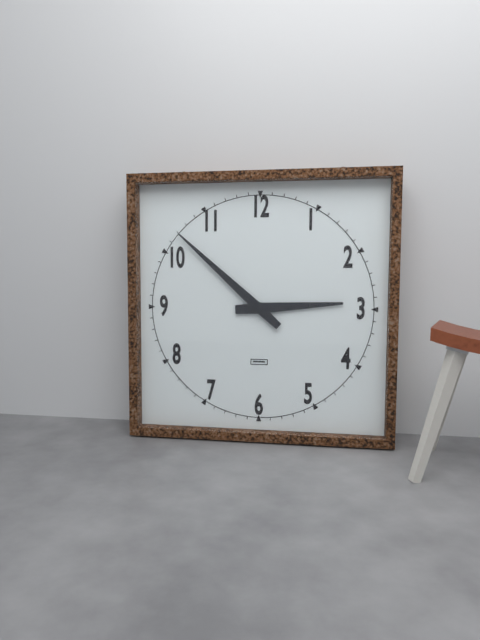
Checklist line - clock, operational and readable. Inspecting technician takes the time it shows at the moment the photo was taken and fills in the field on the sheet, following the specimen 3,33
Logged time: 2,52
